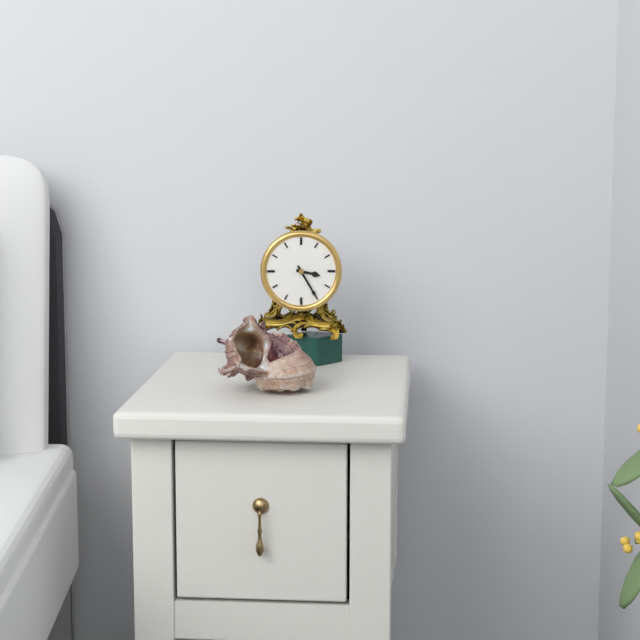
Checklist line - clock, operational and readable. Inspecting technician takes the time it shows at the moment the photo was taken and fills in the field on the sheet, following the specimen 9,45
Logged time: 3,25
